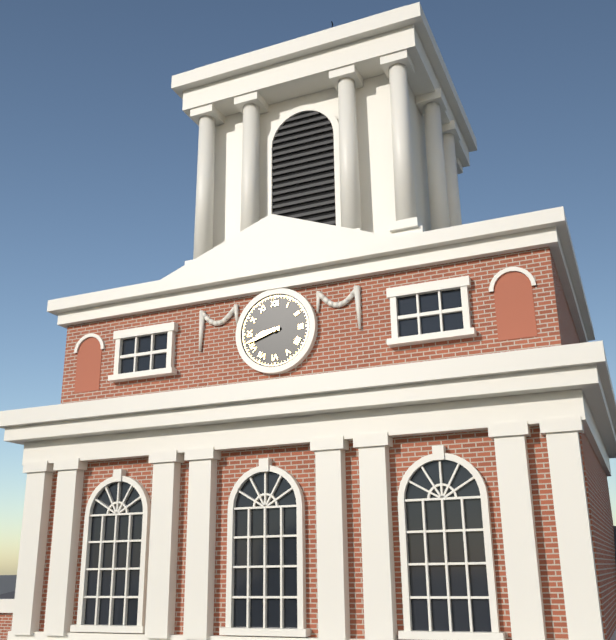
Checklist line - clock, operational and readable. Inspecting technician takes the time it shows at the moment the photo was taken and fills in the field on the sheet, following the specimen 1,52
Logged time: 8,42
